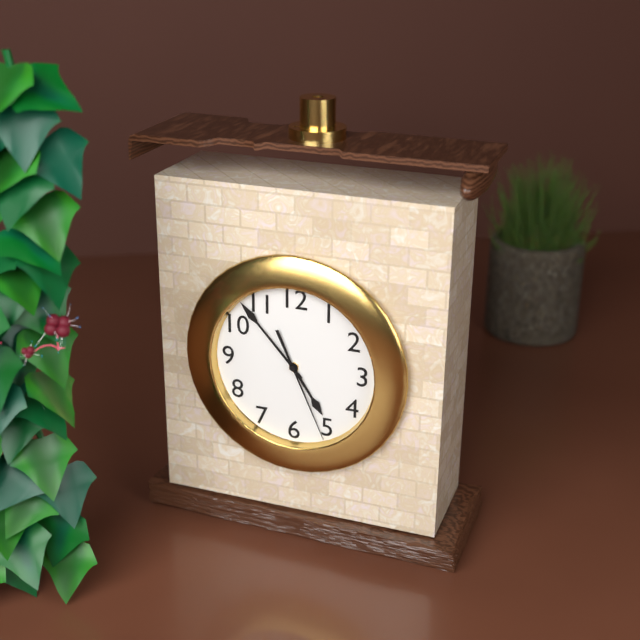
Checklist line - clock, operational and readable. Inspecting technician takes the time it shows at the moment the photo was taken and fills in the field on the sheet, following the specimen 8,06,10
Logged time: 4,53,26
